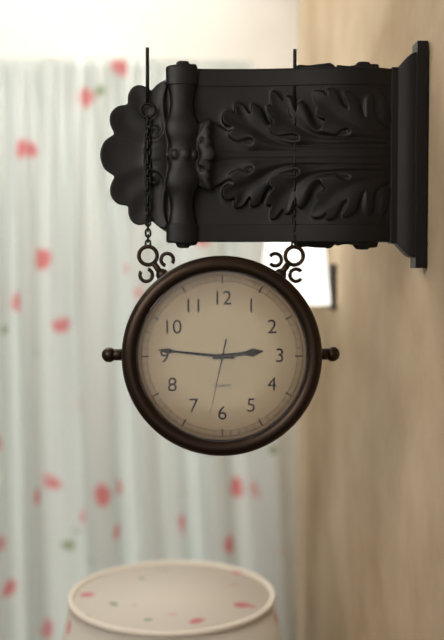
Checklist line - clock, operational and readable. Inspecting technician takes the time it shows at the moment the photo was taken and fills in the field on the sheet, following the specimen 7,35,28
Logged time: 2,46,32
